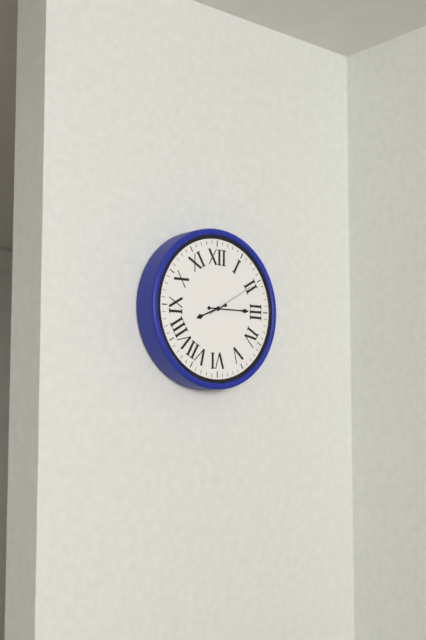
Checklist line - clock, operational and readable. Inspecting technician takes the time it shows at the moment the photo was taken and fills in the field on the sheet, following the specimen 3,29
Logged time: 8,15
